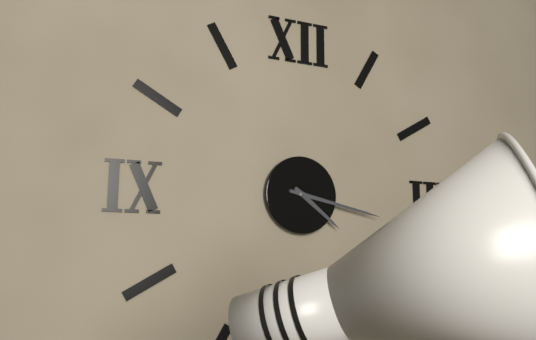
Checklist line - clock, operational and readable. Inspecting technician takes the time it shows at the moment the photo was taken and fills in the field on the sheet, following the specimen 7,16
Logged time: 4,17
